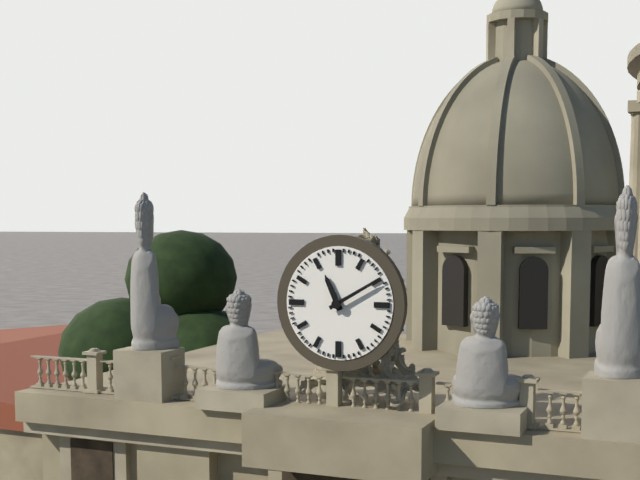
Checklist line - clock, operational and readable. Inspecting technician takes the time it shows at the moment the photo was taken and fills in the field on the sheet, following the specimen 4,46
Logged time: 11,10
